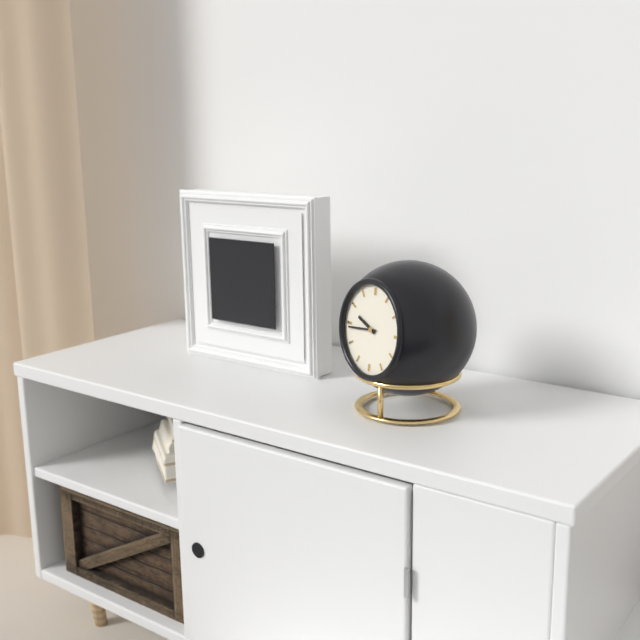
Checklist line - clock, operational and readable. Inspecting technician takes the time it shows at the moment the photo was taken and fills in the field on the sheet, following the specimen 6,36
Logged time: 9,44
